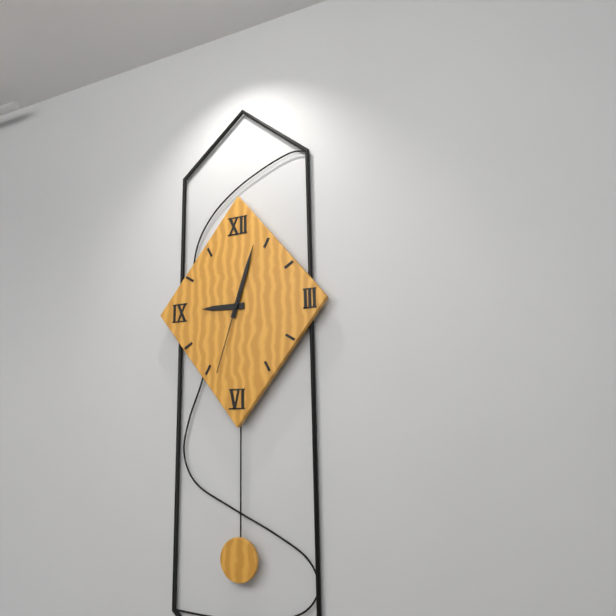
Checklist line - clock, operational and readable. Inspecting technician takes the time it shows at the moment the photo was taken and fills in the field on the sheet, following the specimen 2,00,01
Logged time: 9,03,33
